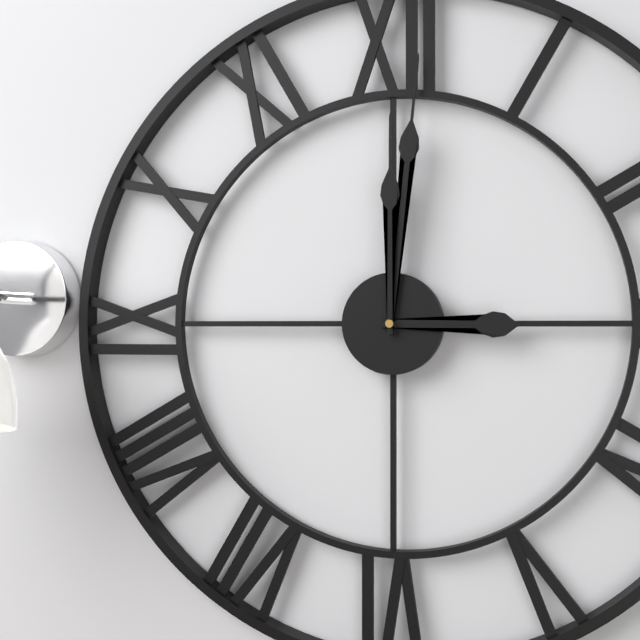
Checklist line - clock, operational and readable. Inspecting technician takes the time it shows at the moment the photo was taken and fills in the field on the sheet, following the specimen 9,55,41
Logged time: 3,01,00
